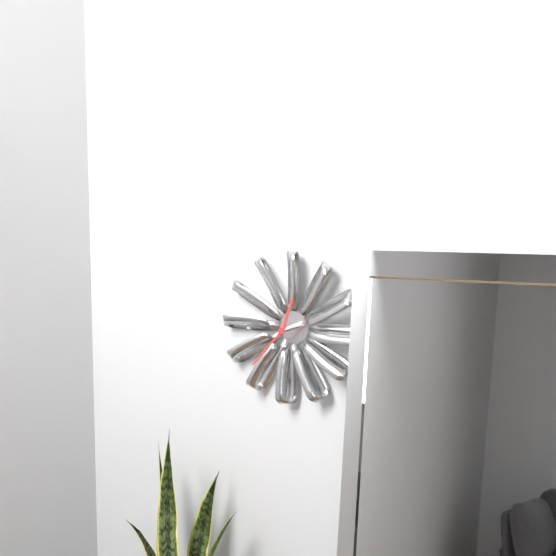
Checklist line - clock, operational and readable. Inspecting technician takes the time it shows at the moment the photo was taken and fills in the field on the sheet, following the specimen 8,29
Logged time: 12,37
